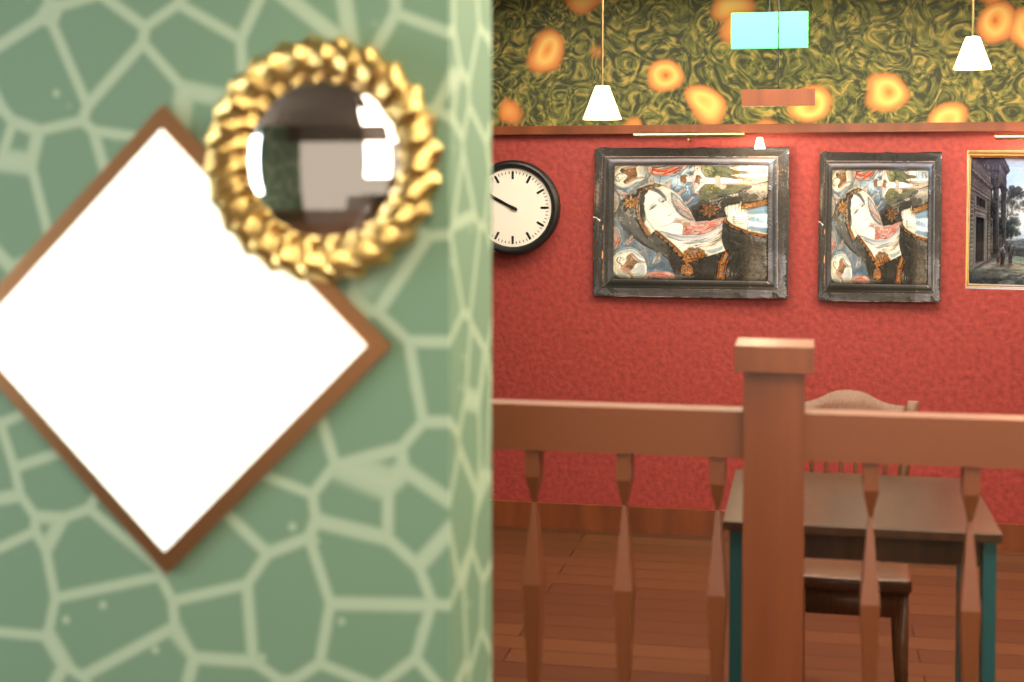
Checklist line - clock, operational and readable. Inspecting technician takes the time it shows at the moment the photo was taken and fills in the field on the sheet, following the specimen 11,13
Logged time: 9,50
